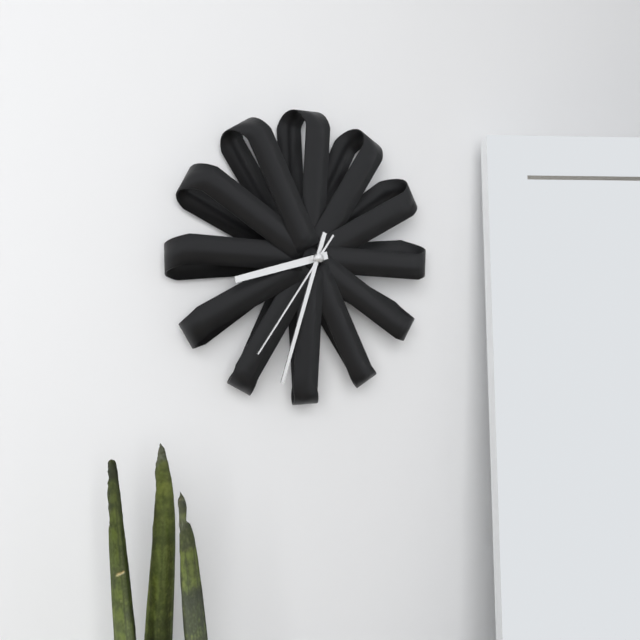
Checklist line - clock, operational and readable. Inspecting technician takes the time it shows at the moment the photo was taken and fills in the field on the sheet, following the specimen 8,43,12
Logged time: 8,33,36
